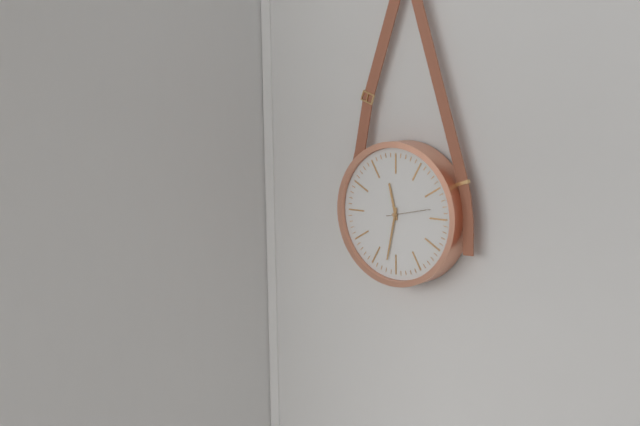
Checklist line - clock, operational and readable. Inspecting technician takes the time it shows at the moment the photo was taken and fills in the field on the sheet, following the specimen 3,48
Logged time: 11,32
